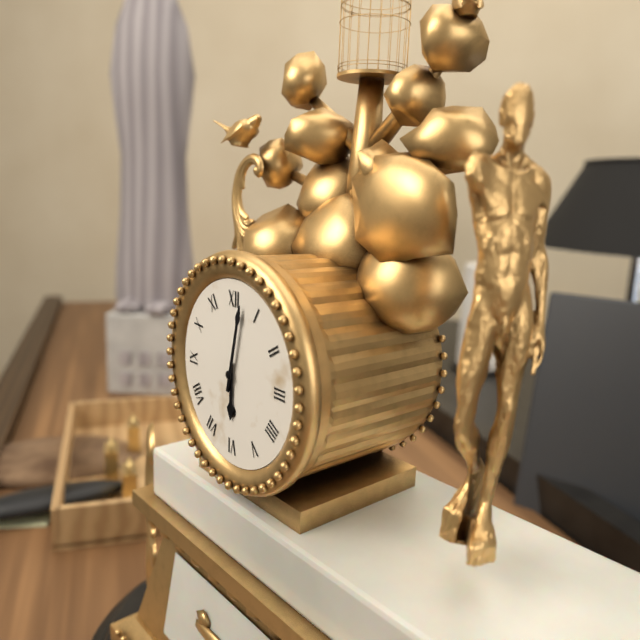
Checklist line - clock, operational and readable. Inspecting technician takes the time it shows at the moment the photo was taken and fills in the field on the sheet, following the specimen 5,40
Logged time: 6,02
